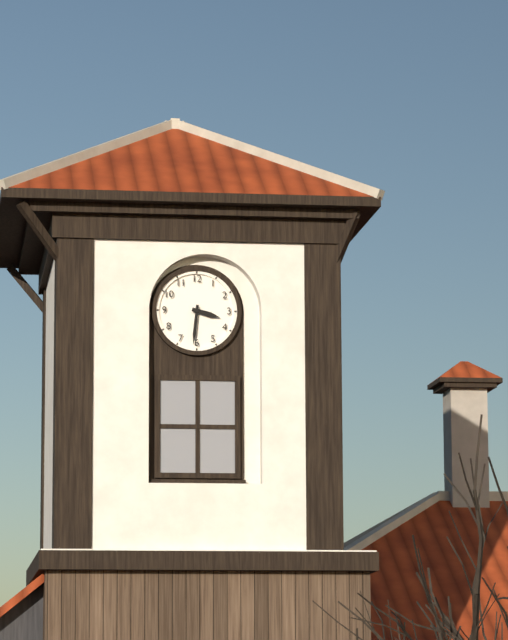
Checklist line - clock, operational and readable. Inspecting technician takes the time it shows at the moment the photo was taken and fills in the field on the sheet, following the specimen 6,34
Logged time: 3,31
